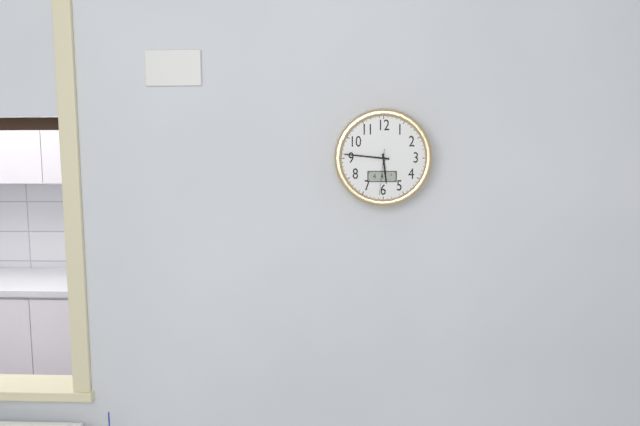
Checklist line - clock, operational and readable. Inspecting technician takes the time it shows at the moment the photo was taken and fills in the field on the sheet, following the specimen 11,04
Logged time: 5,46
